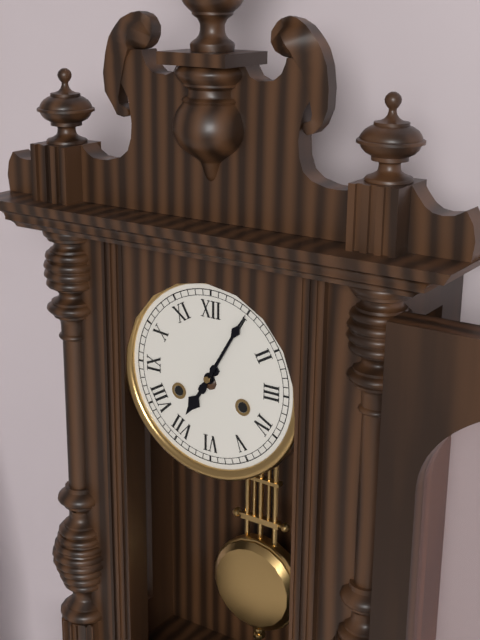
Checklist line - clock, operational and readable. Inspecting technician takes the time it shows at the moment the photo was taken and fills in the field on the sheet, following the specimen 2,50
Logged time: 7,05
